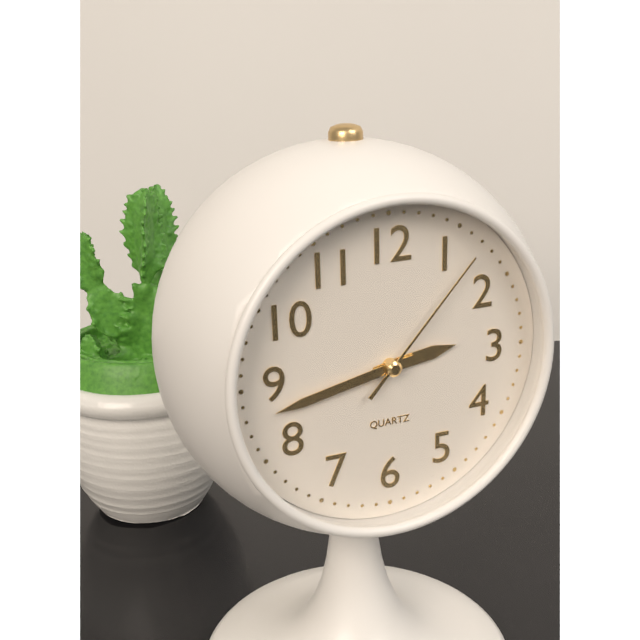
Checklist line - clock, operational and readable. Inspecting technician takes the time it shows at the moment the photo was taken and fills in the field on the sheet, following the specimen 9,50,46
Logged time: 2,43,07
